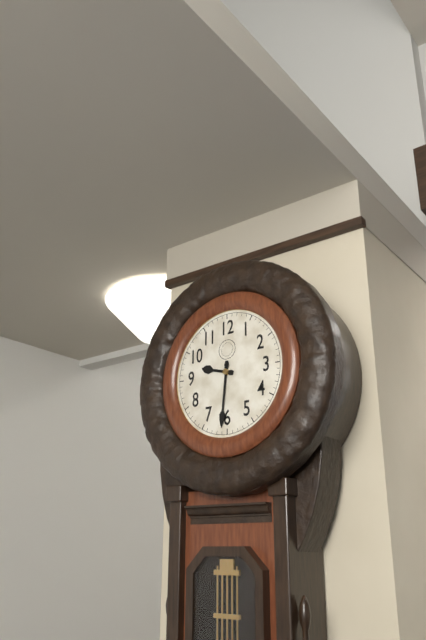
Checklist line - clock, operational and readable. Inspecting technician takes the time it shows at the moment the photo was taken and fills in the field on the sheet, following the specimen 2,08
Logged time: 9,31
